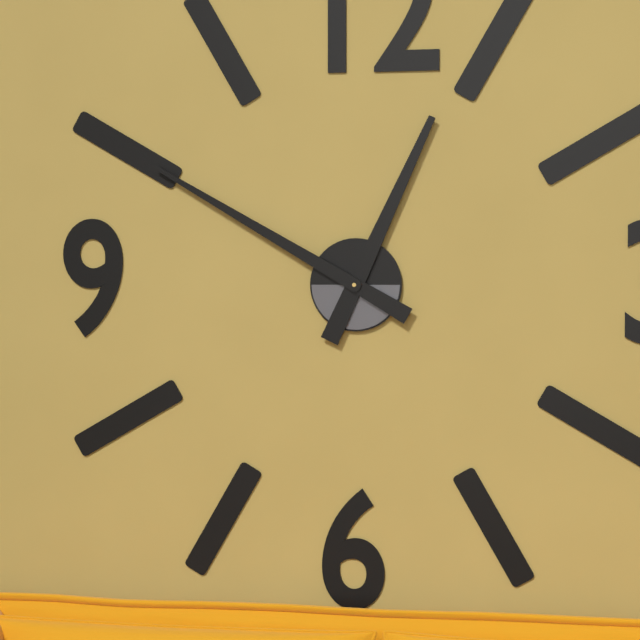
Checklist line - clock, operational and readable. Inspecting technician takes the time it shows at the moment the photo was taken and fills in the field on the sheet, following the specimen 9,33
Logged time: 12,50
